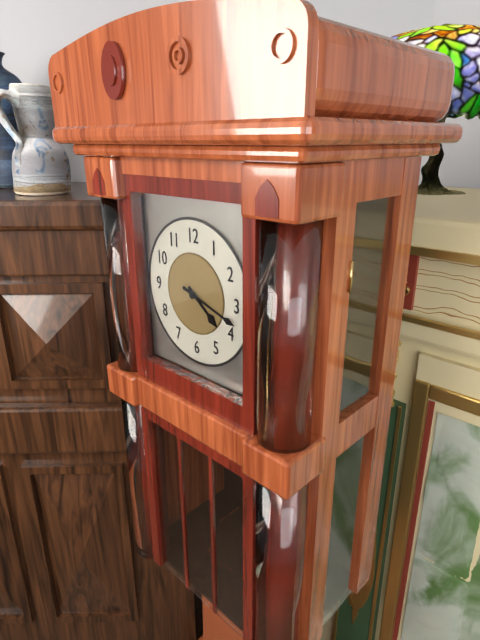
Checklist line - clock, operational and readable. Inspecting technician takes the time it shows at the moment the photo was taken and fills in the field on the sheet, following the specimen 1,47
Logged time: 4,18
